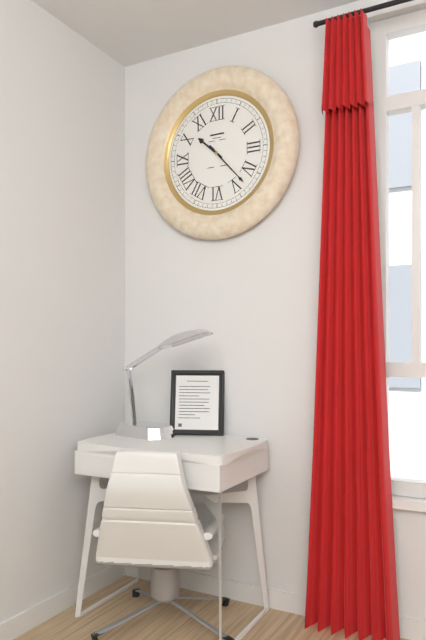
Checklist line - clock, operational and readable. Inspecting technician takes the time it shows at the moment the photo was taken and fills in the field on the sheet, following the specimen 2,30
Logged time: 10,23
